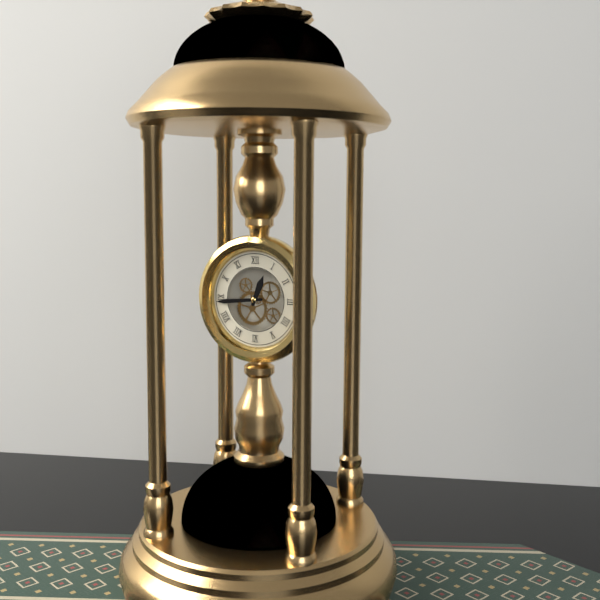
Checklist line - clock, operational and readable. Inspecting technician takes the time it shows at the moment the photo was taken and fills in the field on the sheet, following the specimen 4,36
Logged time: 12,44
